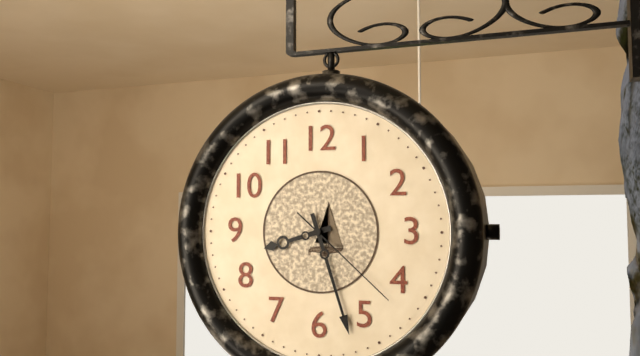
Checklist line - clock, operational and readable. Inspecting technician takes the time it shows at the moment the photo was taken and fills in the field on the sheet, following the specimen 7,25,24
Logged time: 8,27,22
